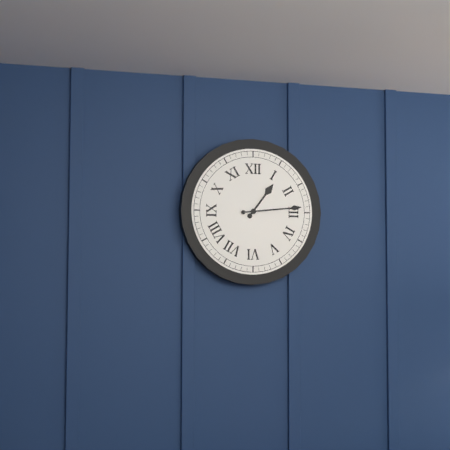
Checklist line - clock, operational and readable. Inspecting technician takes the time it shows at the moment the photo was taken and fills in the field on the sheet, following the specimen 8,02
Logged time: 1,14
